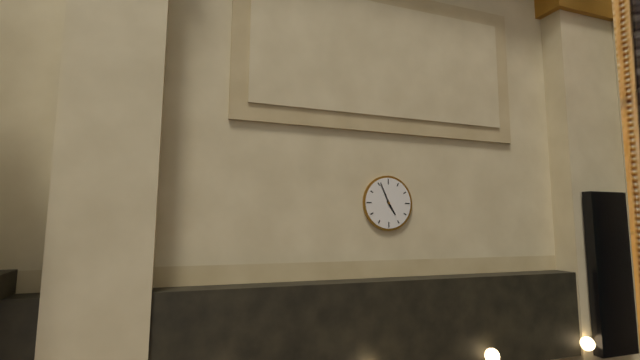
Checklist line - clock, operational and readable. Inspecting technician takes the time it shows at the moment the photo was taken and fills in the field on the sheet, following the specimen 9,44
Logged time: 4,56
